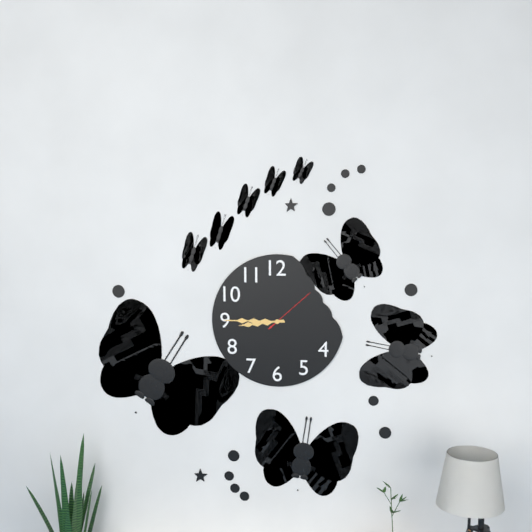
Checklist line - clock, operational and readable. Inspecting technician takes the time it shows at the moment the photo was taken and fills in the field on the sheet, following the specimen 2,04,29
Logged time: 8,45,08
